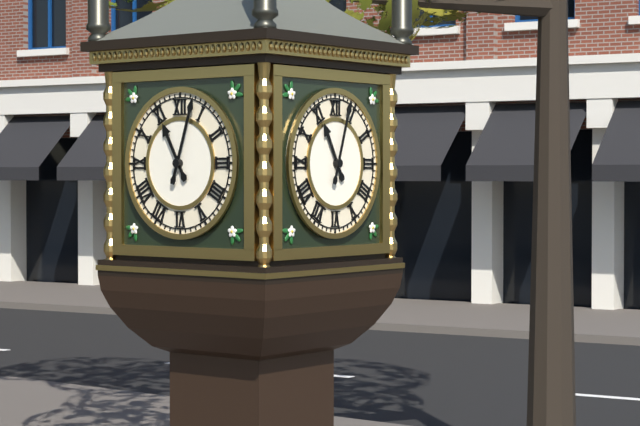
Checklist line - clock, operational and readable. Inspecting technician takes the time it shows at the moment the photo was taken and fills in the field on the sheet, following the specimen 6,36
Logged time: 11,03
